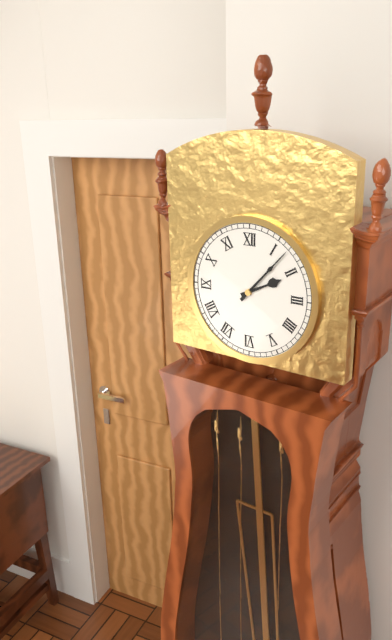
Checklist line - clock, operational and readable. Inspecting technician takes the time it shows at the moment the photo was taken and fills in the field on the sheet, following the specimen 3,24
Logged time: 2,07
